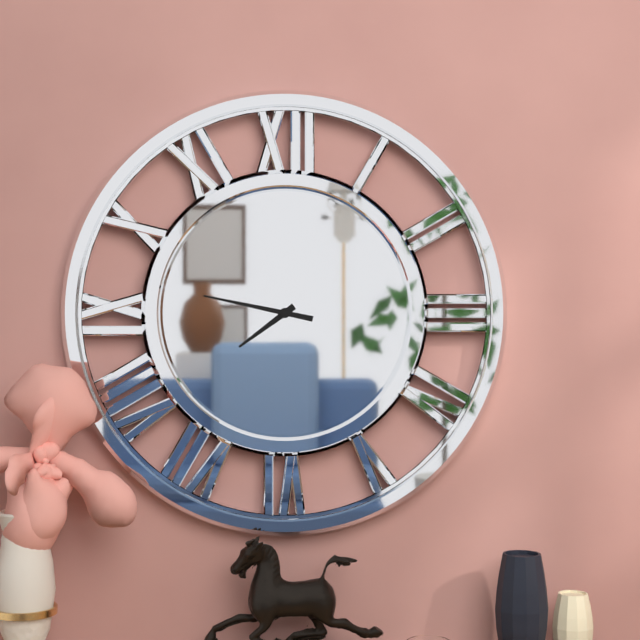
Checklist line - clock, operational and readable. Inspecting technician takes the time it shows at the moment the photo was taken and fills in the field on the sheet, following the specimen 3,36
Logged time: 7,47
